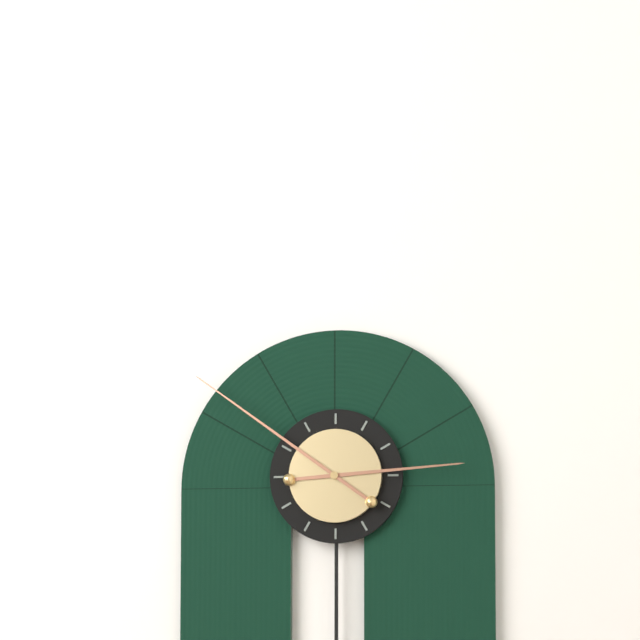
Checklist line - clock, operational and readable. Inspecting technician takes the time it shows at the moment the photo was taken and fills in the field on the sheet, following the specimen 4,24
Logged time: 2,51
